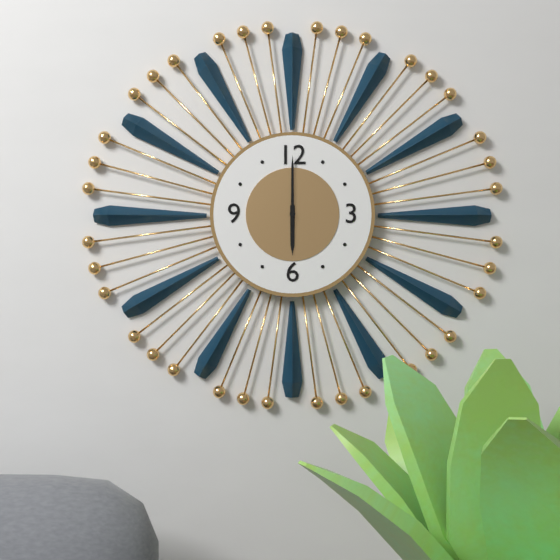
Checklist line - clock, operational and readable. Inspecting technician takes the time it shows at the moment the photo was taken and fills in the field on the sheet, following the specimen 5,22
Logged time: 6,00
